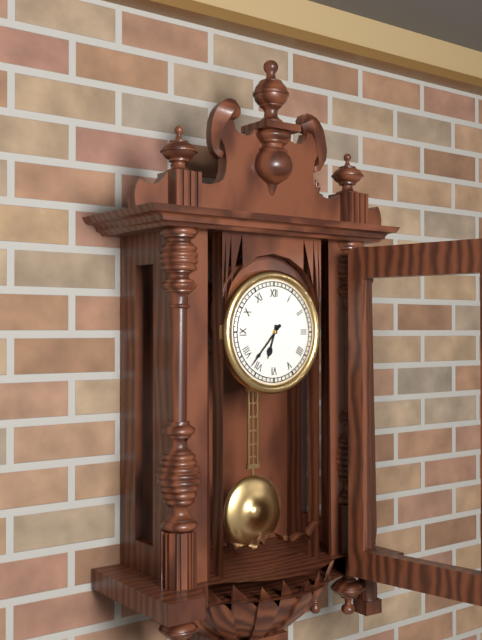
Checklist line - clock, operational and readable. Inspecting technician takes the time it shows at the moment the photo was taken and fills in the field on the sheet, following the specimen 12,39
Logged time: 6,37
